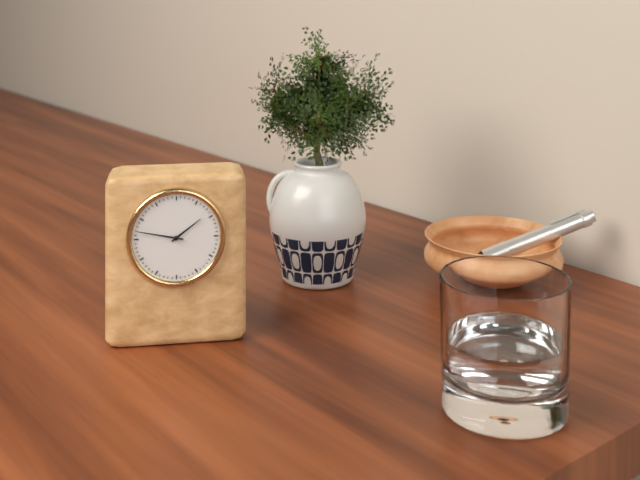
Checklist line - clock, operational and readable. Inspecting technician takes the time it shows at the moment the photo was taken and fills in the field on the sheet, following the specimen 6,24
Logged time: 1,47
